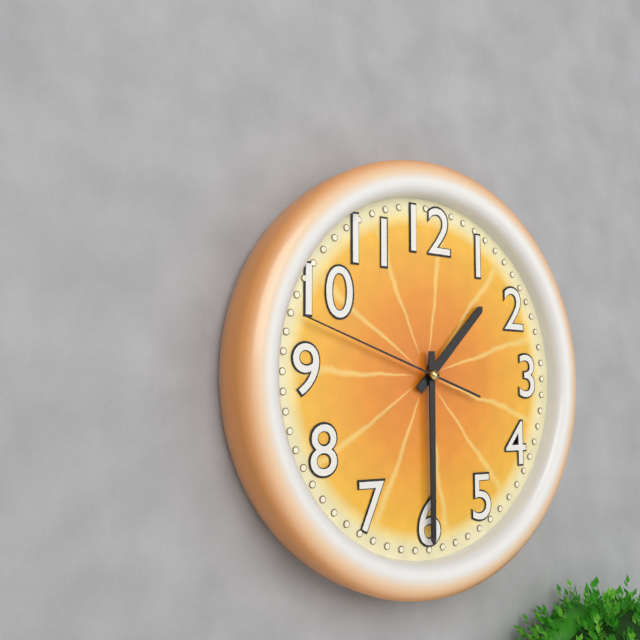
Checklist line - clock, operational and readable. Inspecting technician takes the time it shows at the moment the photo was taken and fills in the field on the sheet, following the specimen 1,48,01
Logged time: 1,30,48
